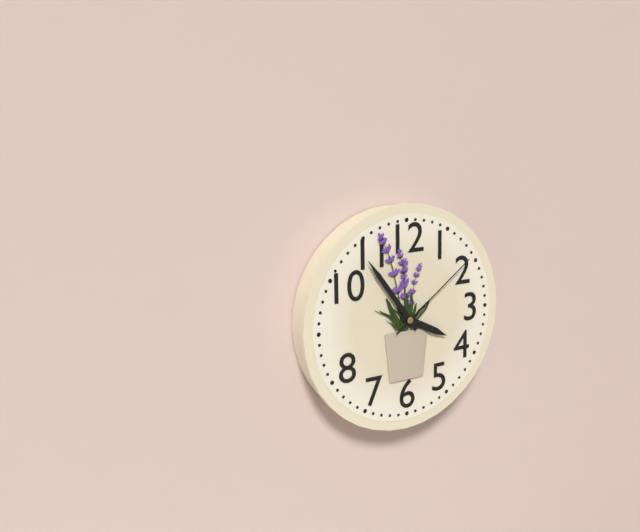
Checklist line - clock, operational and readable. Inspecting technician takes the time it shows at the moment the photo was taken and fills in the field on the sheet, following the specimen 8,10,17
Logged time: 3,54,09
